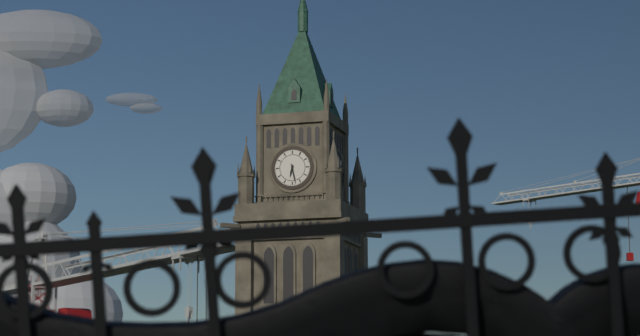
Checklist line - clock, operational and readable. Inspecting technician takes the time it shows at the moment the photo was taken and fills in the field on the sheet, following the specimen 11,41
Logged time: 6,28
